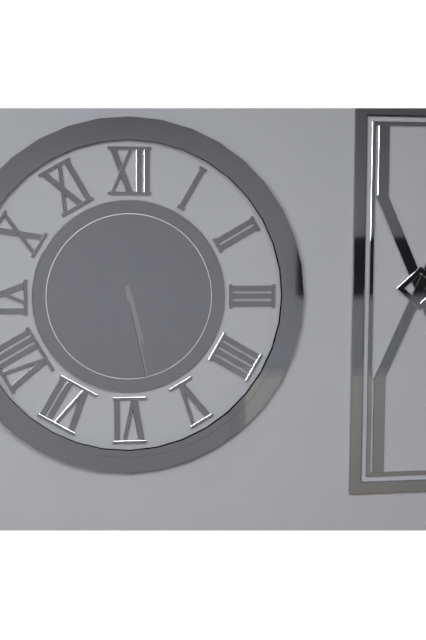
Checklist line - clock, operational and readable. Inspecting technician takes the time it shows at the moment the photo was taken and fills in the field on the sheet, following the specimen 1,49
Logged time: 5,28
